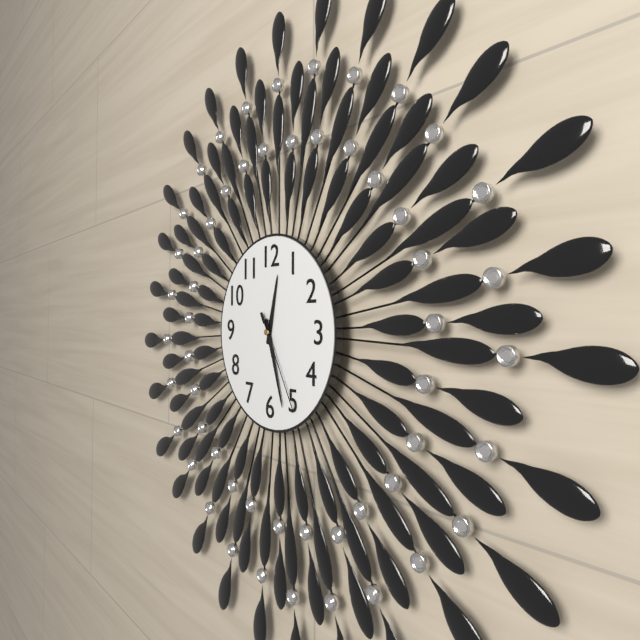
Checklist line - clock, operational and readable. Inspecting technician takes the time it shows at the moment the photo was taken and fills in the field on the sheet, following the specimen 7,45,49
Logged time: 12,27,25
